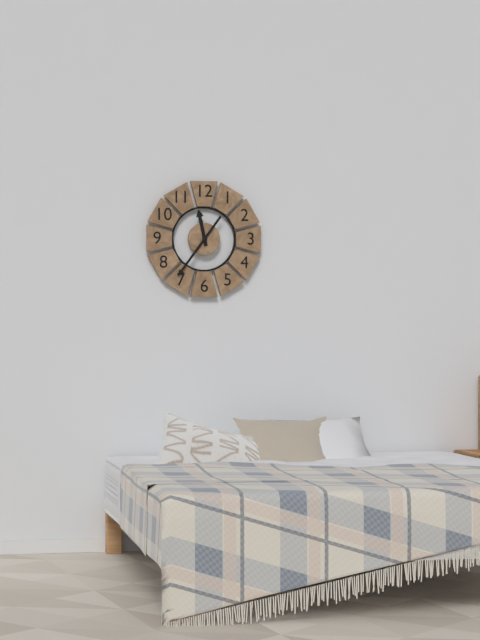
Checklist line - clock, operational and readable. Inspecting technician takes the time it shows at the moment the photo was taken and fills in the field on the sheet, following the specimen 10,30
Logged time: 11,36
